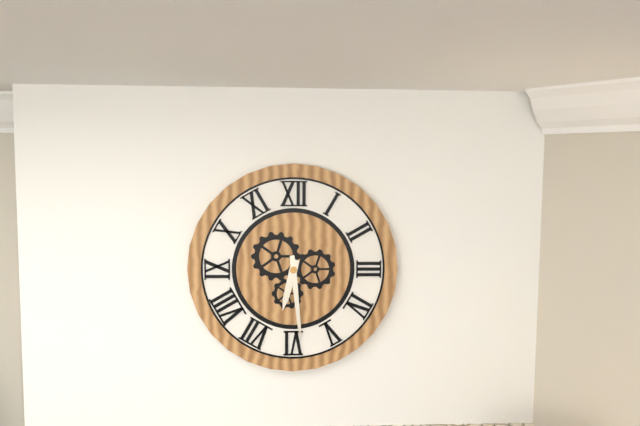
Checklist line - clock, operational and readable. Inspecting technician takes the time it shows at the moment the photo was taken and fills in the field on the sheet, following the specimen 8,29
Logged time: 6,29
